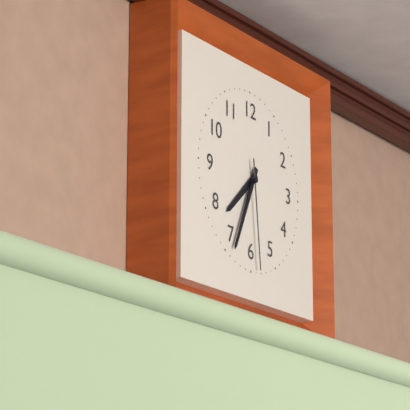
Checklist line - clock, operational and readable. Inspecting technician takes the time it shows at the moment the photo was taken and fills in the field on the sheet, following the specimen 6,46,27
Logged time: 7,34,29
